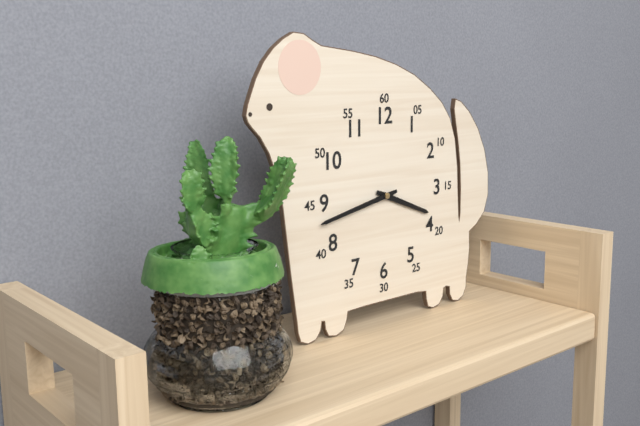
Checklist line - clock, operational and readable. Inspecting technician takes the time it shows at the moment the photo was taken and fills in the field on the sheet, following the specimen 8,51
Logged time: 3,43
